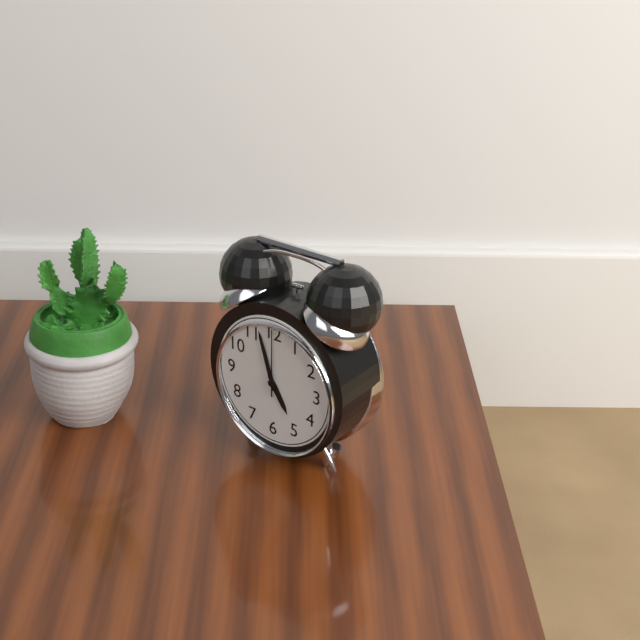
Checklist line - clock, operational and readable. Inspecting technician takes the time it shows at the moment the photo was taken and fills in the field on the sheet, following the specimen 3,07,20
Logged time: 4,57,00
